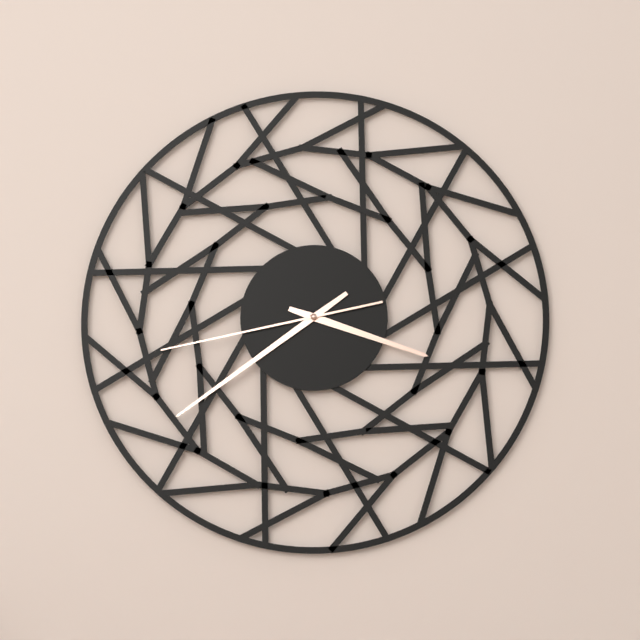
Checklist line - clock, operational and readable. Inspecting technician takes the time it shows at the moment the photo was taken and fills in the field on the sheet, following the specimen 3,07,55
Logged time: 3,39,43
